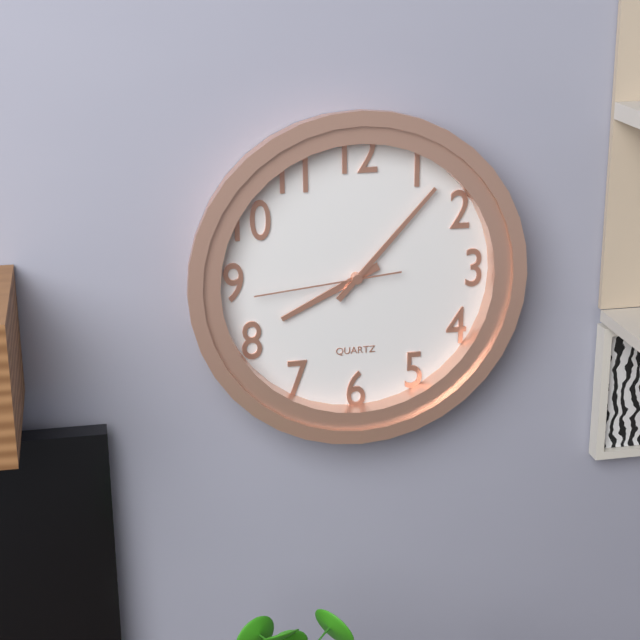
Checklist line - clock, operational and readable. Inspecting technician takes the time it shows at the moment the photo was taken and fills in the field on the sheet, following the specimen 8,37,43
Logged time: 8,07,44
